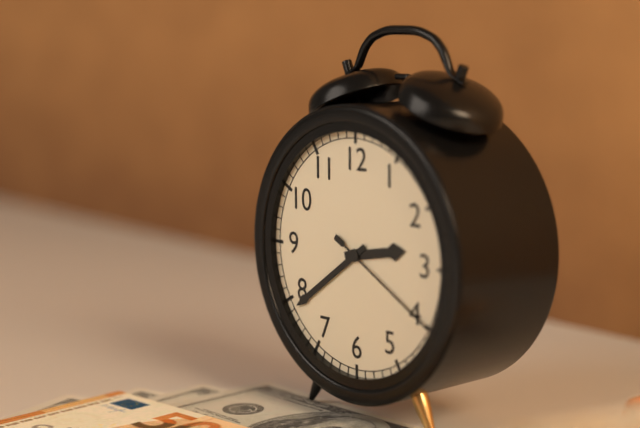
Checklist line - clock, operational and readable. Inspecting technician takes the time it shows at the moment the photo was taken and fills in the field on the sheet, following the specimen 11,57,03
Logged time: 2,39,20
